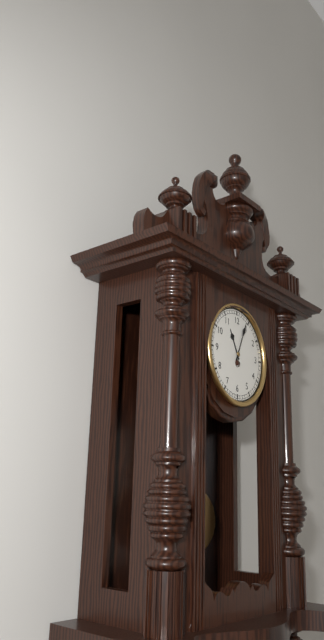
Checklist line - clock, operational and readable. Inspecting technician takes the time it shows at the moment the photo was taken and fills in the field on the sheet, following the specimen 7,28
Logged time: 11,04
